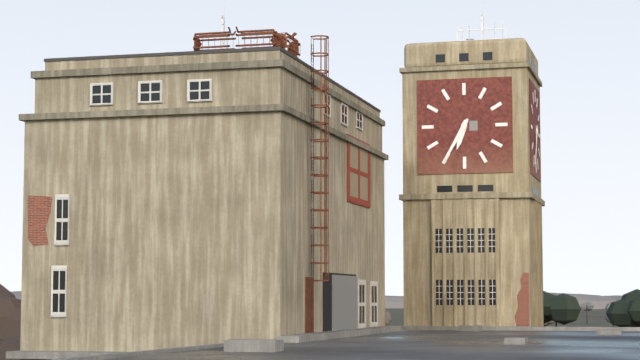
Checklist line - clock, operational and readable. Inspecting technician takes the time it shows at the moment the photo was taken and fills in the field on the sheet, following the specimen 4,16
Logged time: 6,35
